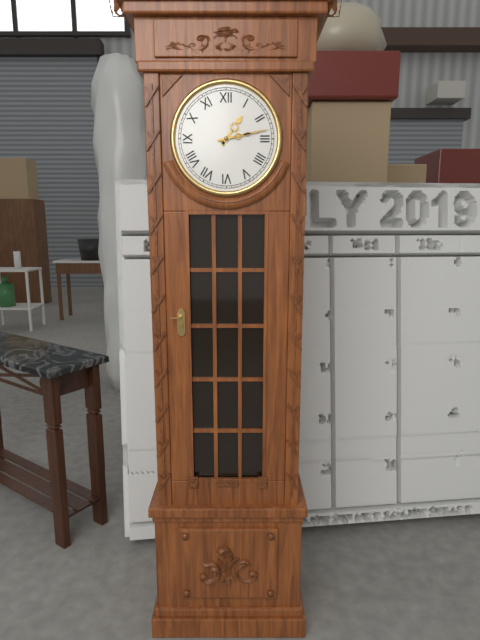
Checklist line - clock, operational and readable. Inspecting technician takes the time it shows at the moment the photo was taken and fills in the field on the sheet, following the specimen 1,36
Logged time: 1,13
